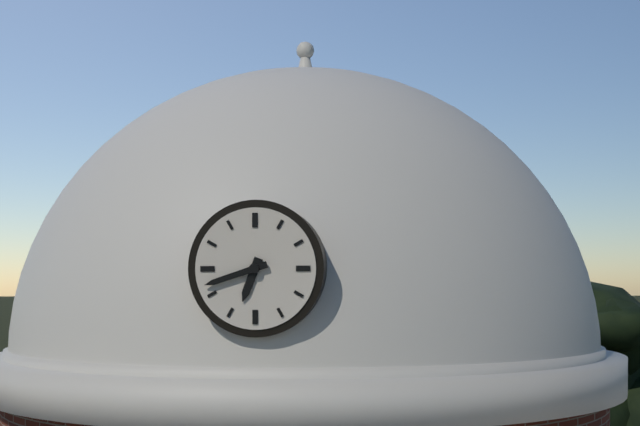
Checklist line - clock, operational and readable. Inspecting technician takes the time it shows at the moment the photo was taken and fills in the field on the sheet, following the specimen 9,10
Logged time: 6,42
